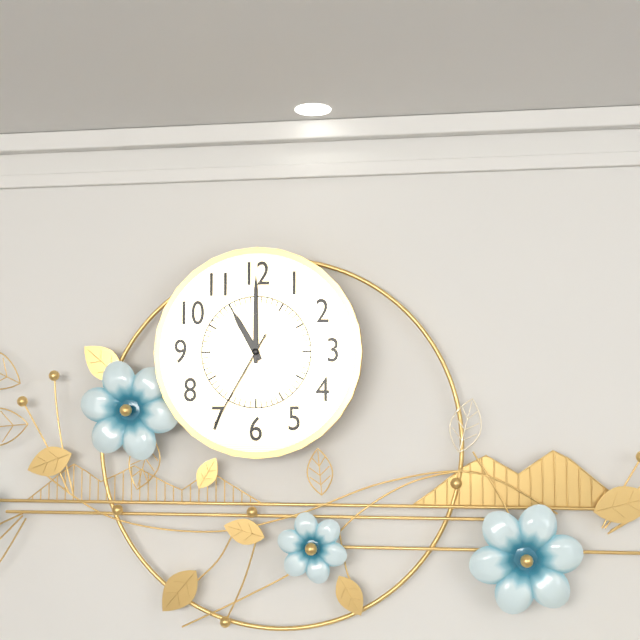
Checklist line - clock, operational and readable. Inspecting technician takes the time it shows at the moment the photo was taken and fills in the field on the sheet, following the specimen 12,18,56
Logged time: 11,00,35
